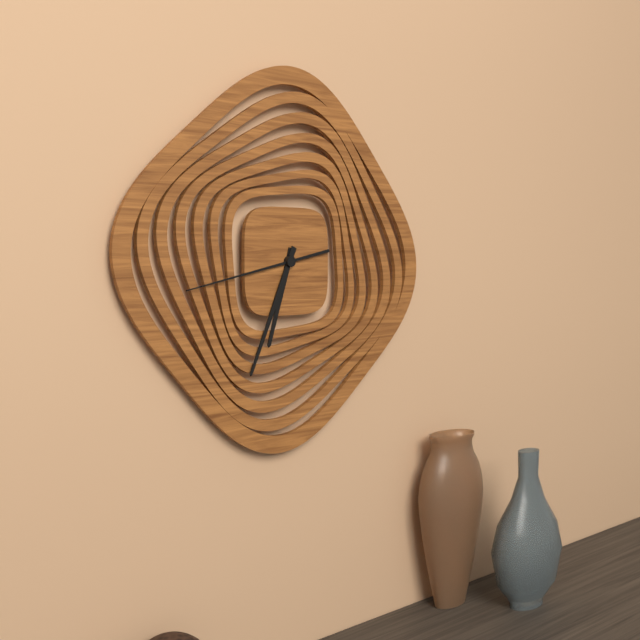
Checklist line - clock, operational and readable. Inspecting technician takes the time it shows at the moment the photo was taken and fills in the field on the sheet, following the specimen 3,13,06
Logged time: 6,34,43
